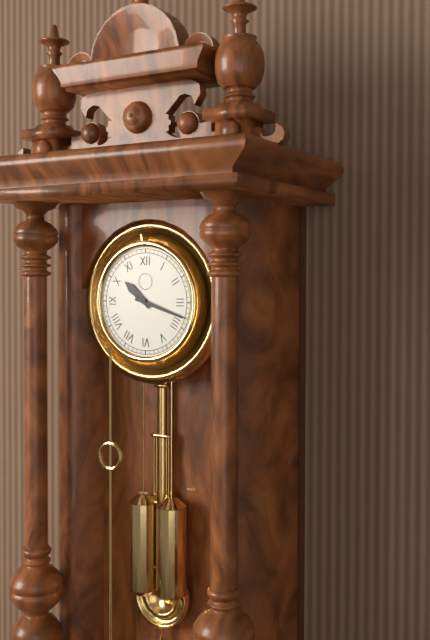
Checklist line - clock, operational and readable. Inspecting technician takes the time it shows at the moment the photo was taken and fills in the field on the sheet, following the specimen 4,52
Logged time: 10,18
